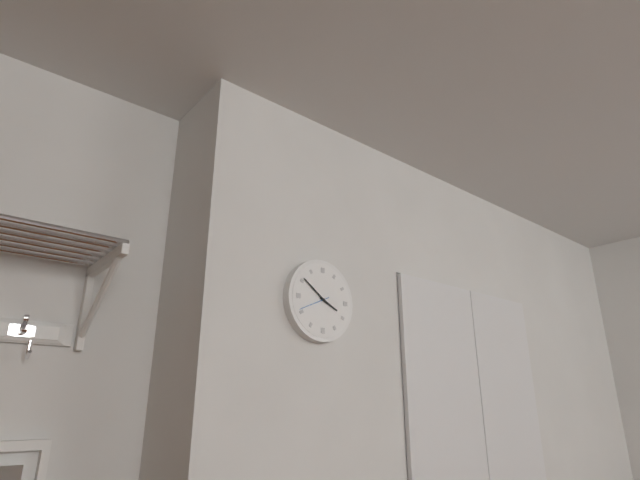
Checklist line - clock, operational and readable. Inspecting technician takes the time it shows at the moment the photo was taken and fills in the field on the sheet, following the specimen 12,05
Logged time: 3,51
